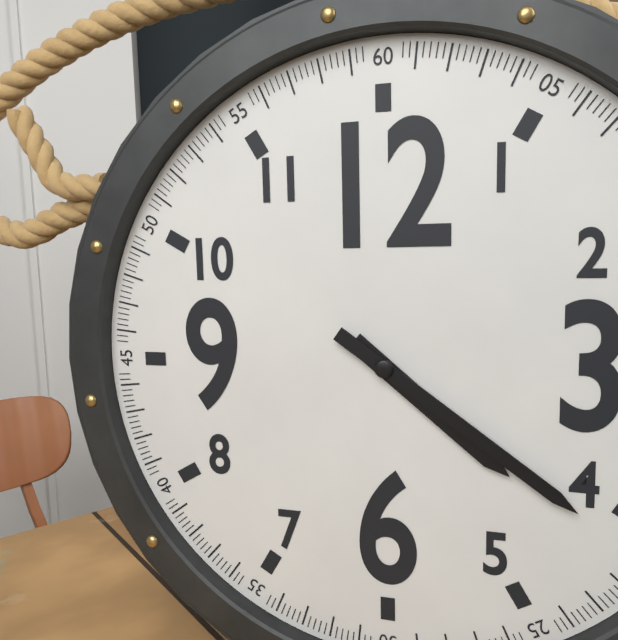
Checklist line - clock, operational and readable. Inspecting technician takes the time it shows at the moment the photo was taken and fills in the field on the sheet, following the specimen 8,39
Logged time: 4,21
